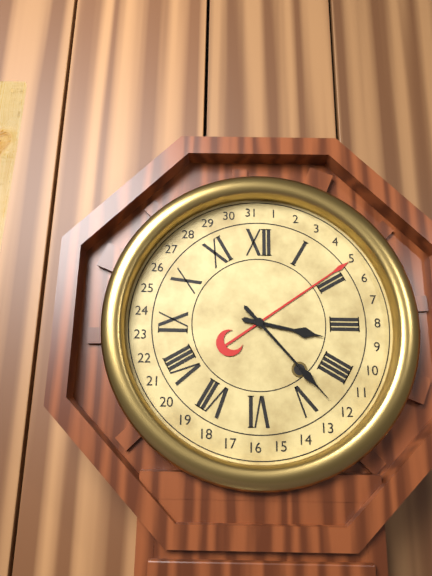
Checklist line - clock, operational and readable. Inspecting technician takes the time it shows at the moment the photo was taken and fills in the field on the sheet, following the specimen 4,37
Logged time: 3,23
